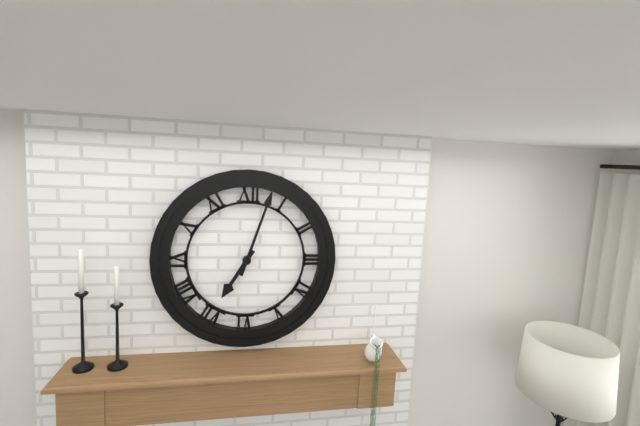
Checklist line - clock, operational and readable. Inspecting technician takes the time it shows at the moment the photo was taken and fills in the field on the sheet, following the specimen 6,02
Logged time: 7,03
